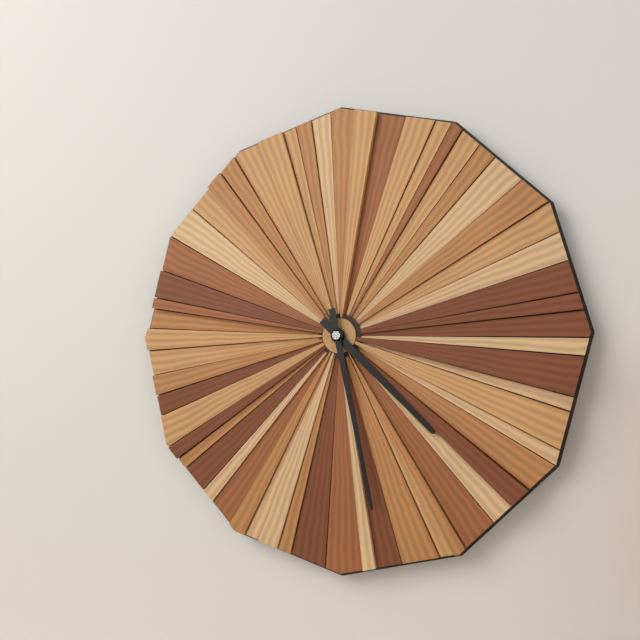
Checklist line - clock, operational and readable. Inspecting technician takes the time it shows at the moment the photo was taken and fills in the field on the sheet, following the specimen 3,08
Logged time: 4,28
